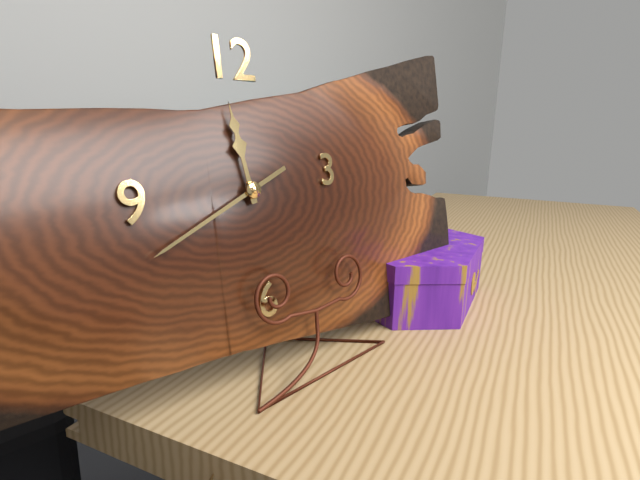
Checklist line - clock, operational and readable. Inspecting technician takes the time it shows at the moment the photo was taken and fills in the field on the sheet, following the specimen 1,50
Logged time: 11,41
